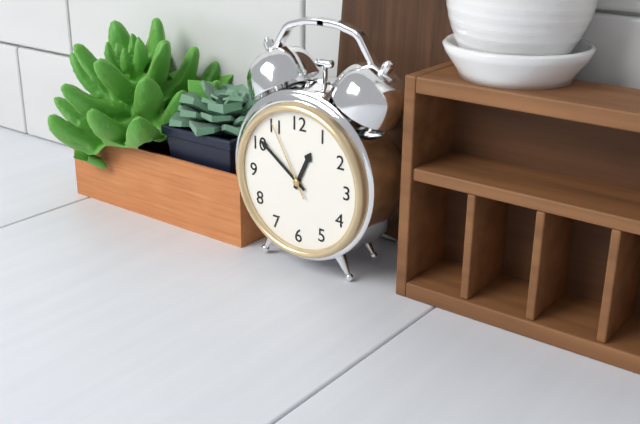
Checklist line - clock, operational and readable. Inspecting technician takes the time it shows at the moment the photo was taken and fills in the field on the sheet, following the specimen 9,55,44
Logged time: 12,51,55
